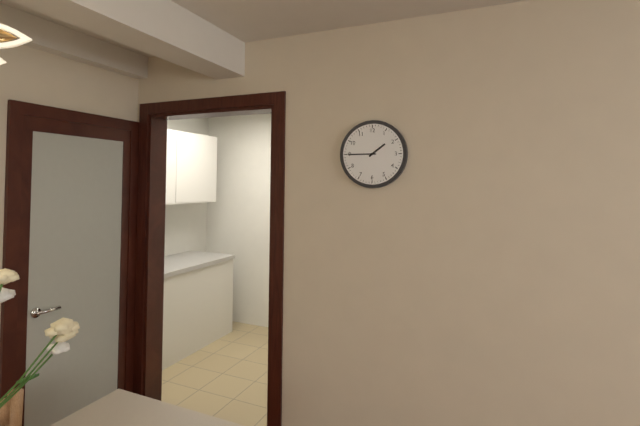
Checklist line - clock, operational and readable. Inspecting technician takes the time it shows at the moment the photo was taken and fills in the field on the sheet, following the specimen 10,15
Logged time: 1,45
